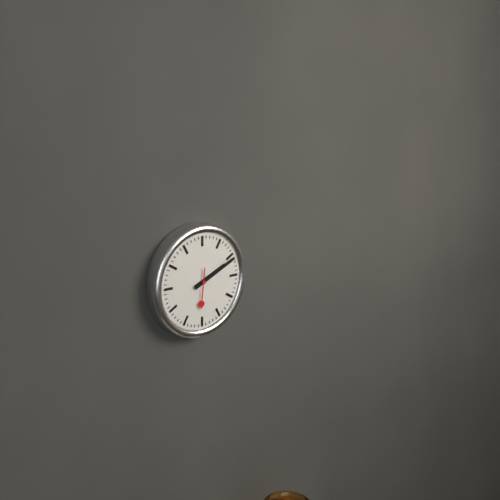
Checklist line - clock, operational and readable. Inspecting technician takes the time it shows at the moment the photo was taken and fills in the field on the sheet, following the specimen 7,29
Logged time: 2,11
